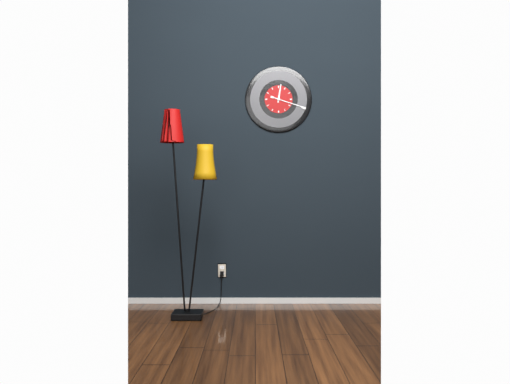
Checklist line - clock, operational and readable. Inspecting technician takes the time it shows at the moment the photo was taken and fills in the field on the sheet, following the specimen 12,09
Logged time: 12,18
